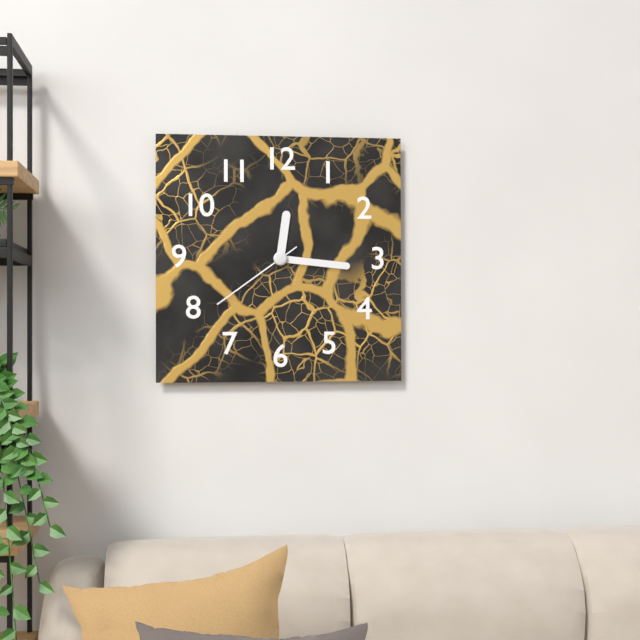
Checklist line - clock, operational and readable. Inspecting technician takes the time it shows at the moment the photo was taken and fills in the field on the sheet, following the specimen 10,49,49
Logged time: 12,16,39
